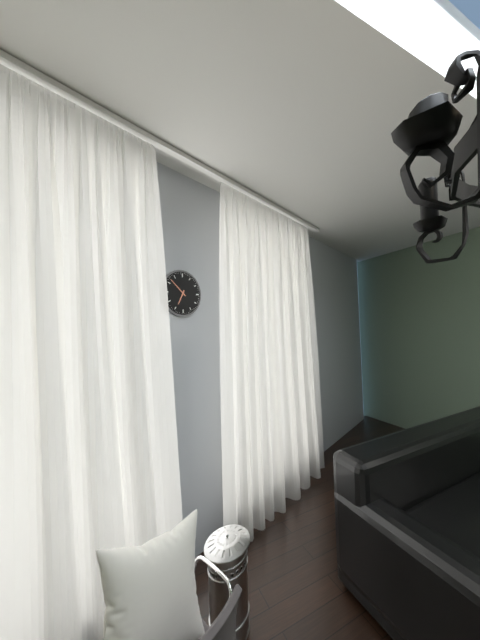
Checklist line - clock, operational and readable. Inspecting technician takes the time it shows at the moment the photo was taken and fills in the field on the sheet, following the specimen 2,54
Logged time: 6,52
